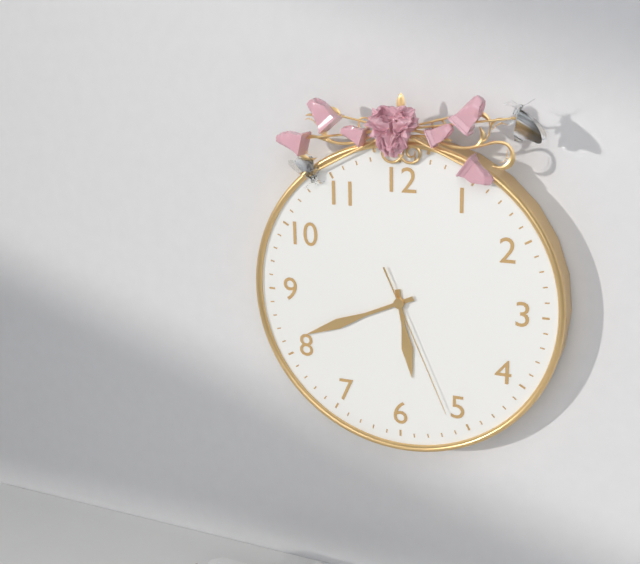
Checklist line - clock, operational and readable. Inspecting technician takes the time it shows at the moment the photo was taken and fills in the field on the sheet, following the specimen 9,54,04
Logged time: 5,41,26
